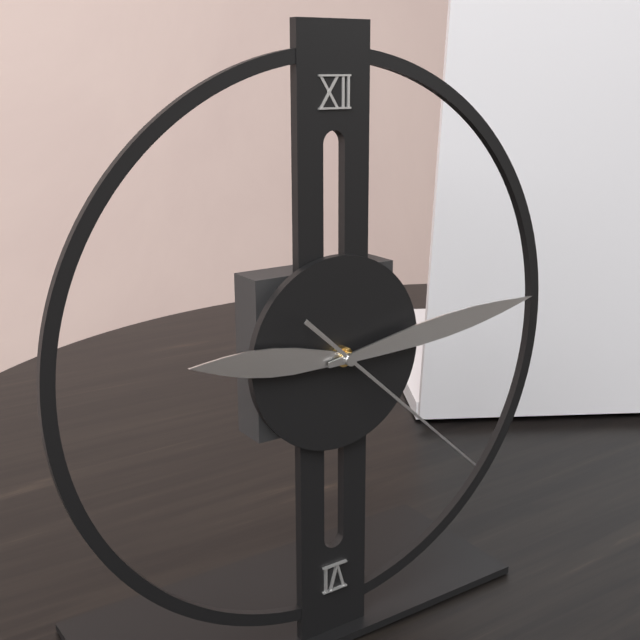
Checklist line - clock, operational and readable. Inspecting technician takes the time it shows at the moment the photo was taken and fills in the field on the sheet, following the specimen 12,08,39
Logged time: 9,14,22
